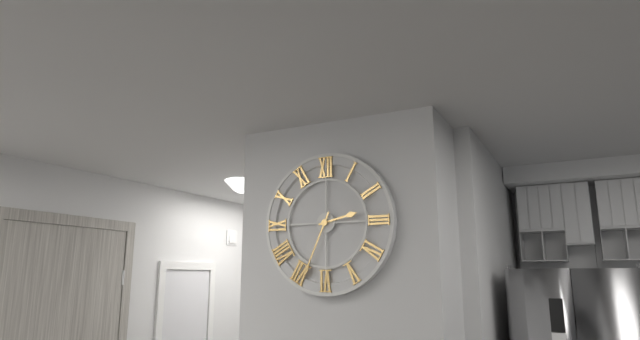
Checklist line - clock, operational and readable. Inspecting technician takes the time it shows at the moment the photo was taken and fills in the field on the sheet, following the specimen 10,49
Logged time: 2,34
